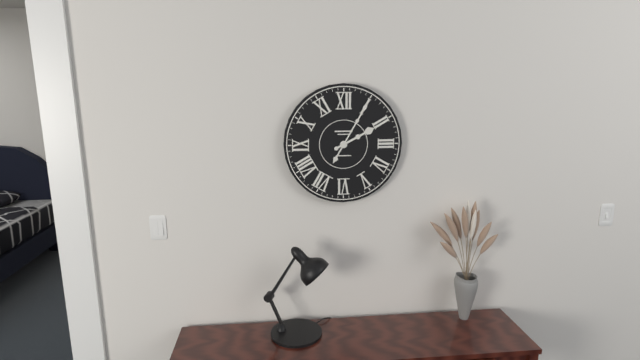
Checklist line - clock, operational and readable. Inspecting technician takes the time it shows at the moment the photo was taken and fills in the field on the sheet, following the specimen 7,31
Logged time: 2,05
